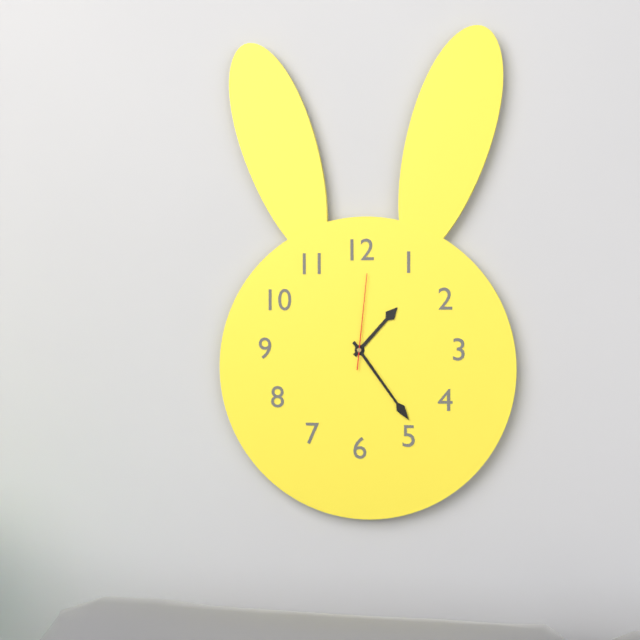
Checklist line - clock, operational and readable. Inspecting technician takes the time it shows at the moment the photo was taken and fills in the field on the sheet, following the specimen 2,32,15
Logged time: 1,24,01
